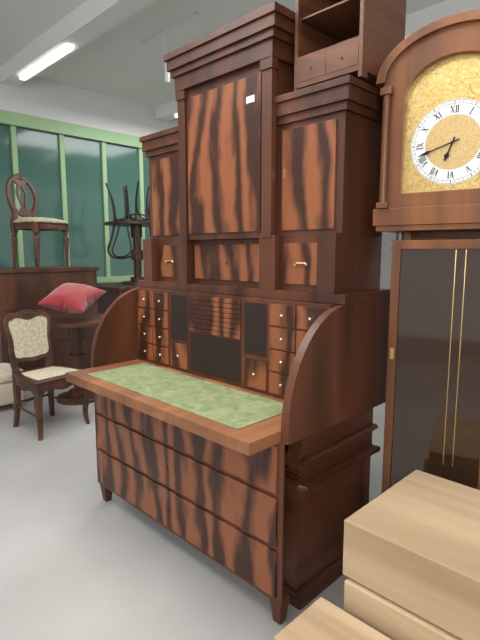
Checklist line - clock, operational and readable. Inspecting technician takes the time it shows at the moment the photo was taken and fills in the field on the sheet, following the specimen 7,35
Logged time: 6,42
